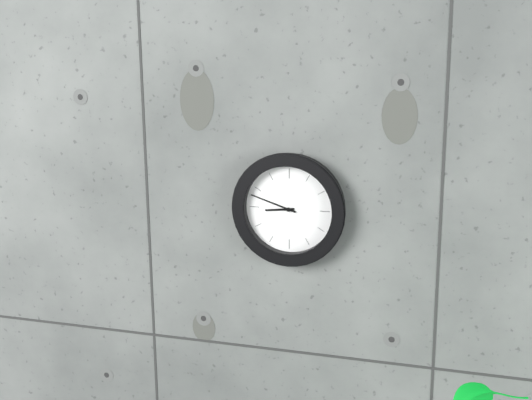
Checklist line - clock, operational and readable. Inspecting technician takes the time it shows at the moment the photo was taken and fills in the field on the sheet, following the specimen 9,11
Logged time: 8,48
